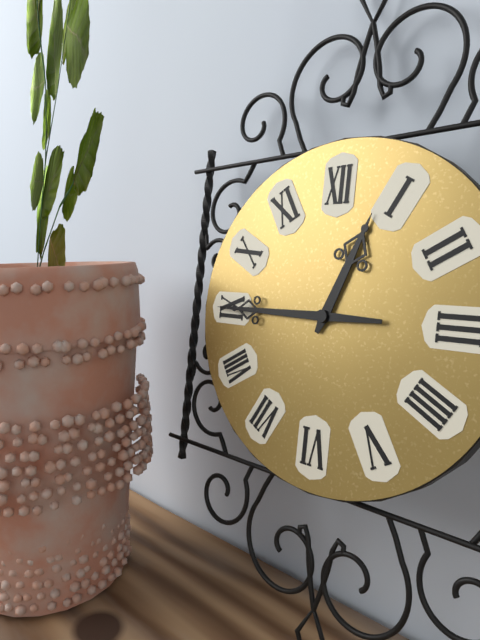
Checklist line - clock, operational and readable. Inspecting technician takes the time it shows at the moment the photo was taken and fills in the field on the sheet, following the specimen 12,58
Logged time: 12,45
